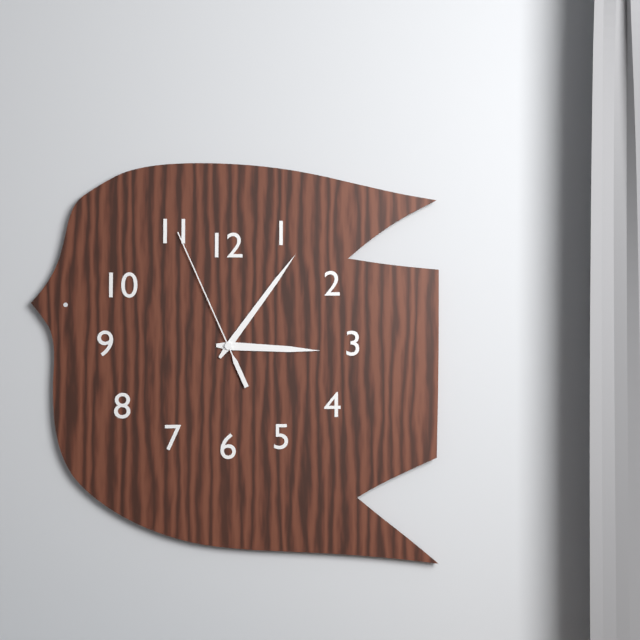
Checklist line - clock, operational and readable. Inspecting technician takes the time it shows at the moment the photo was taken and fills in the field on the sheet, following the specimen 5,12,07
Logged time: 3,06,56
